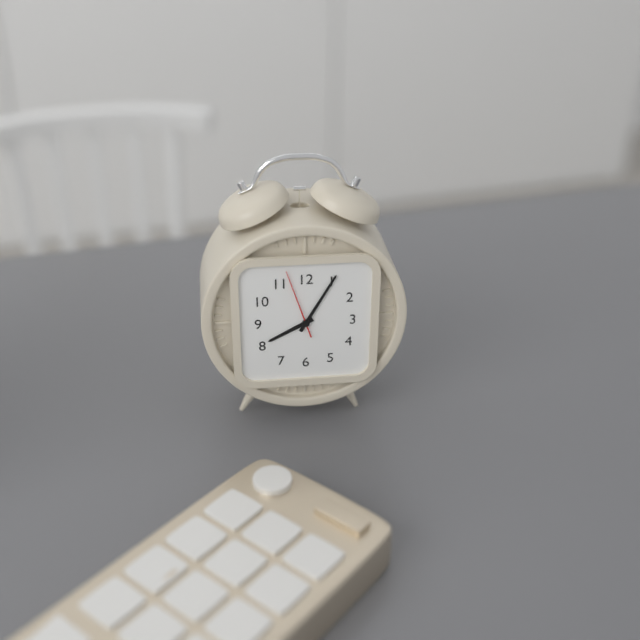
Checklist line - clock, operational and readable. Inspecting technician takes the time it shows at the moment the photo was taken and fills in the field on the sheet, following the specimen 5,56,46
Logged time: 8,05,57
